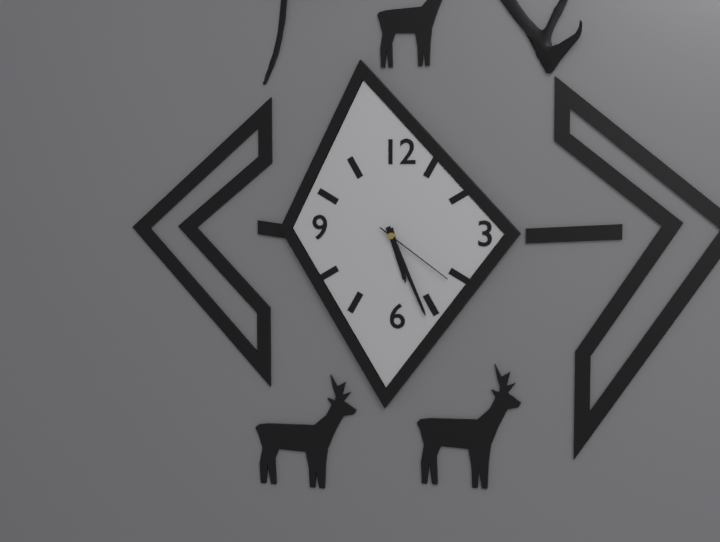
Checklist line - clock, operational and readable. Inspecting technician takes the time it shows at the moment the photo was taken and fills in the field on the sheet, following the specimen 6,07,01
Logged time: 5,26,21
